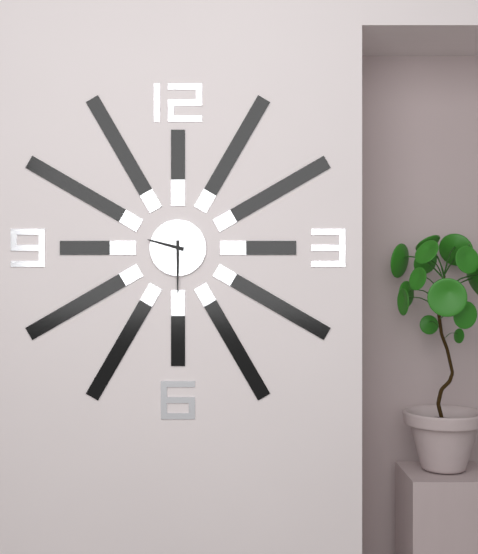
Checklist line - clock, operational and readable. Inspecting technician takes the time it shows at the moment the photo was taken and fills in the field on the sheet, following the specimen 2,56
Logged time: 9,30
